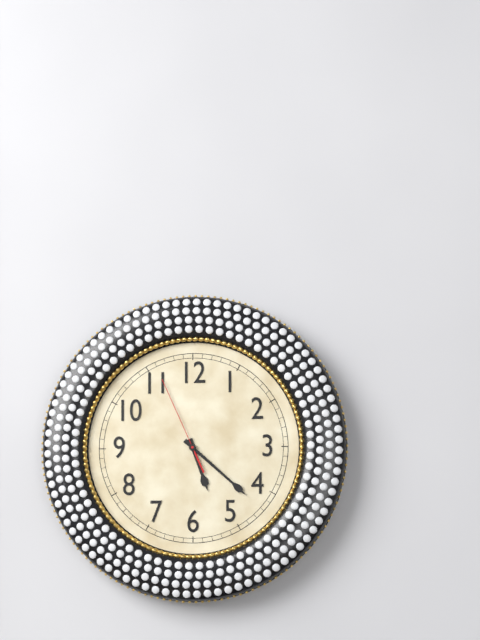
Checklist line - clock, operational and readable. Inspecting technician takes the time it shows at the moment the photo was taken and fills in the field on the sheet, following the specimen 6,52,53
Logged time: 5,22,56
